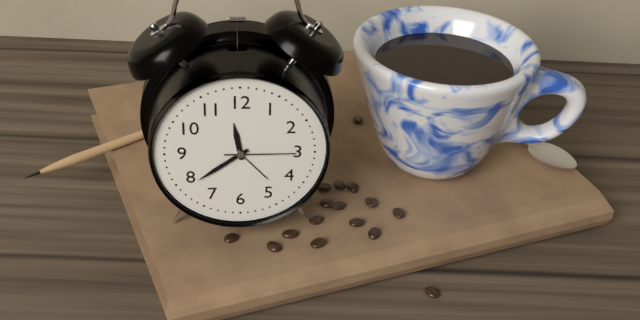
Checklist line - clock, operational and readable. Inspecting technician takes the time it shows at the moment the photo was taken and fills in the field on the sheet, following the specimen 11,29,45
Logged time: 11,39,15
